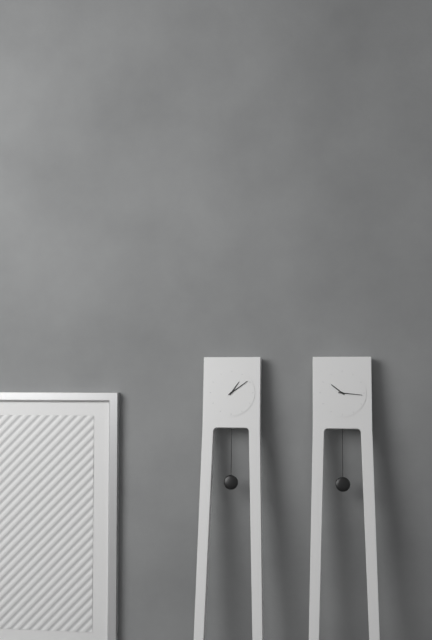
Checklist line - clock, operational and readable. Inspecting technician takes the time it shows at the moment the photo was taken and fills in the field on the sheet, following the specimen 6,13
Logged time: 1,09
